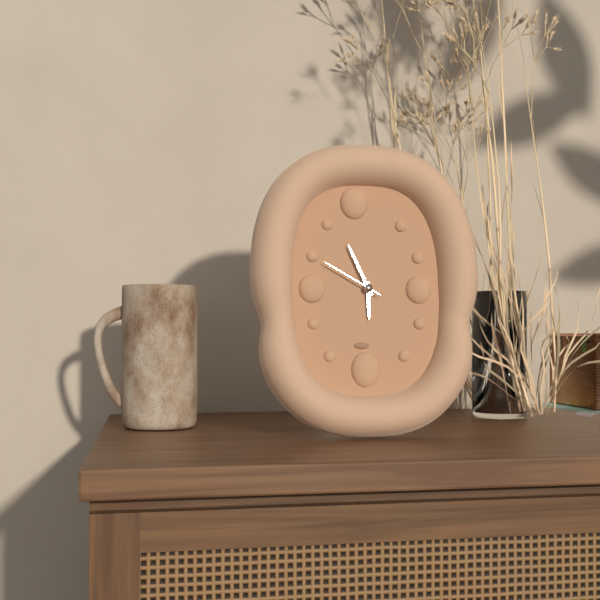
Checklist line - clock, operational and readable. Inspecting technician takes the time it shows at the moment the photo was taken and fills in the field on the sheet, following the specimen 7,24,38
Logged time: 5,56,50
